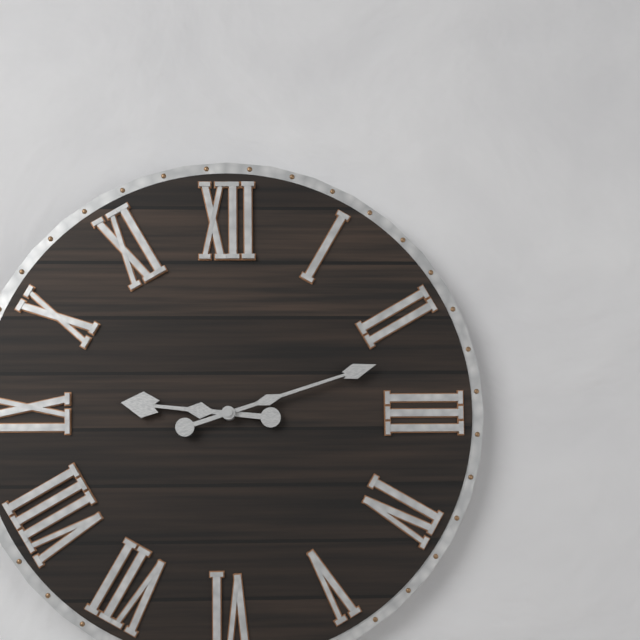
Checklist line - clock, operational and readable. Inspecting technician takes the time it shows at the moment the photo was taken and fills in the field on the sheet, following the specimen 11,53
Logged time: 9,12
